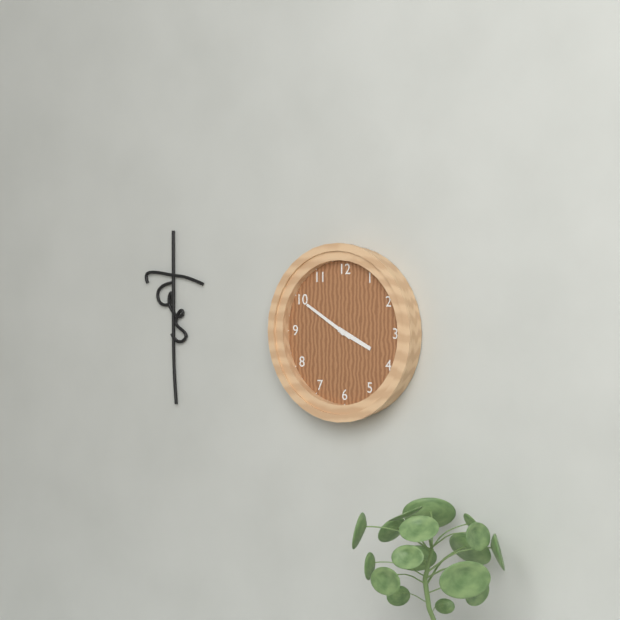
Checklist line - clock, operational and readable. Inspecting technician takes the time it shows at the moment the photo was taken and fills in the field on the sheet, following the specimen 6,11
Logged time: 3,50
